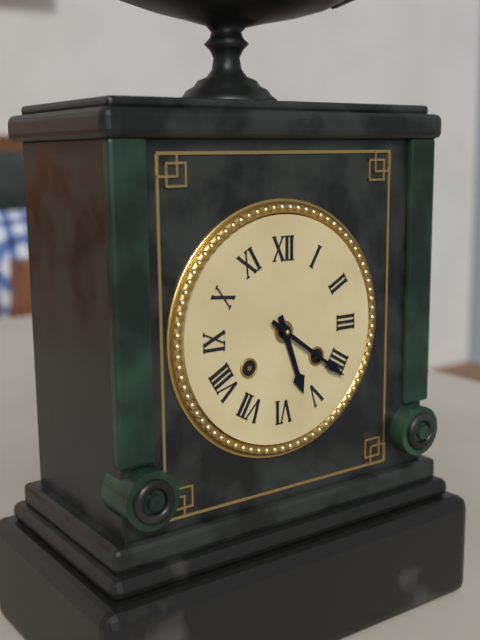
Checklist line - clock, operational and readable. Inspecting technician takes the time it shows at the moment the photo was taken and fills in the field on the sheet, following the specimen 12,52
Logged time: 5,21
